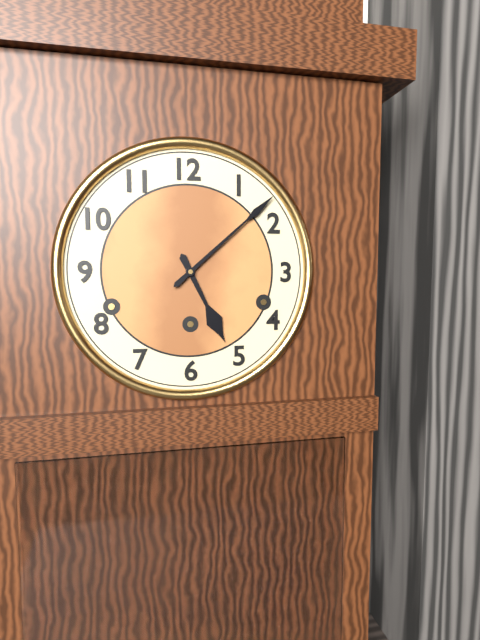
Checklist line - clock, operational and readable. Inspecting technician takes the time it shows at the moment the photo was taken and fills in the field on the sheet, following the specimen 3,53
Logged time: 5,08
